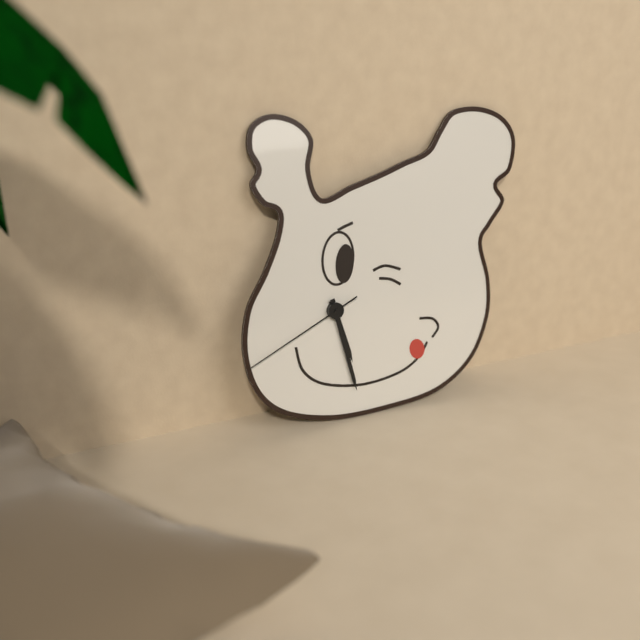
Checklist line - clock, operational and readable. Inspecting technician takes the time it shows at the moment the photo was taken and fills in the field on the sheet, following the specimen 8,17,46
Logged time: 5,28,41
